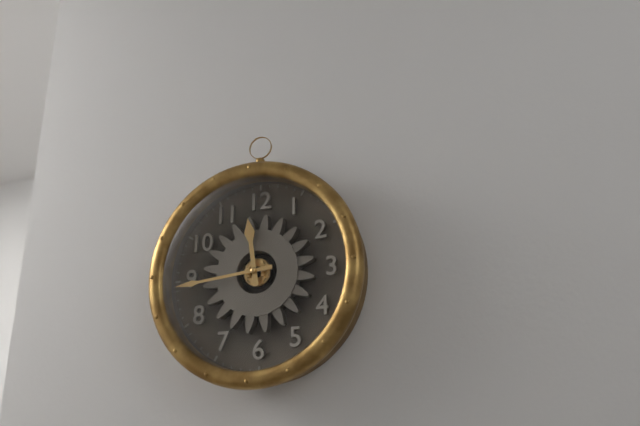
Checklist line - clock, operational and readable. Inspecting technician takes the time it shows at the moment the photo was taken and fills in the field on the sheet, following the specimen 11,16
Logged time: 11,44
